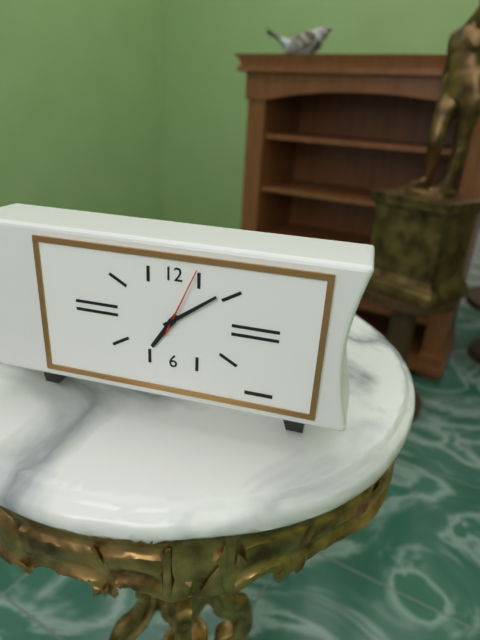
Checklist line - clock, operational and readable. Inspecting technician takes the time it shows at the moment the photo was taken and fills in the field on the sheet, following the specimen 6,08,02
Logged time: 7,09,04
